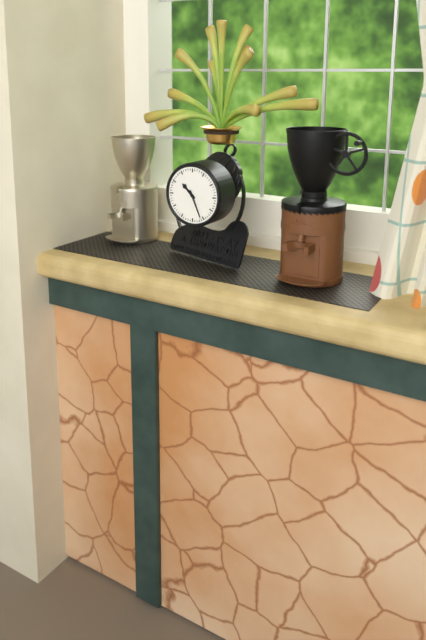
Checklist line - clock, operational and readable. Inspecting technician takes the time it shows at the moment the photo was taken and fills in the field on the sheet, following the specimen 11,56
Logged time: 10,26
